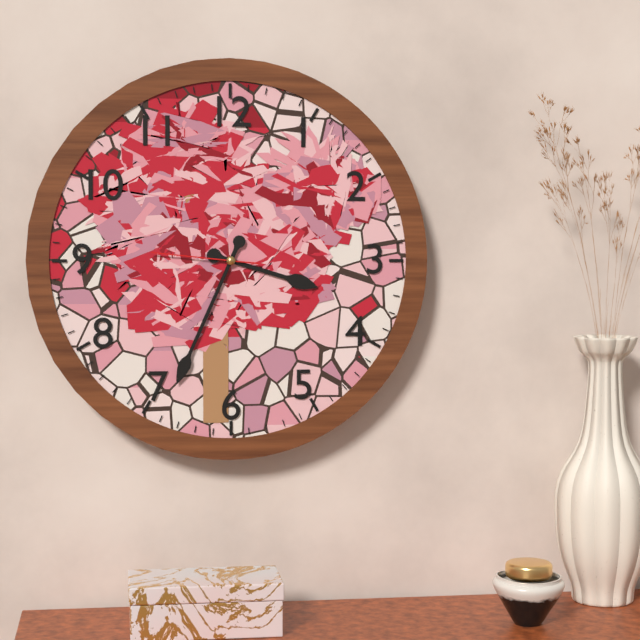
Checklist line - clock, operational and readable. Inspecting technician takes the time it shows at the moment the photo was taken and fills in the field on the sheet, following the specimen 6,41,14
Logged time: 3,34,46
